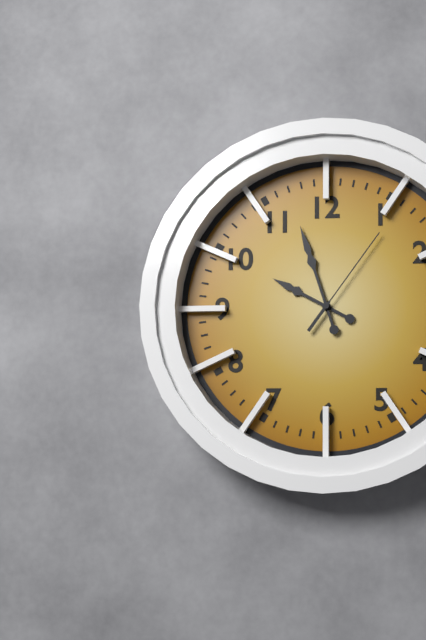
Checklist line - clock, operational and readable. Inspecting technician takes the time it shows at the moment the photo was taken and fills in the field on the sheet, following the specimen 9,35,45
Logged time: 9,57,06
